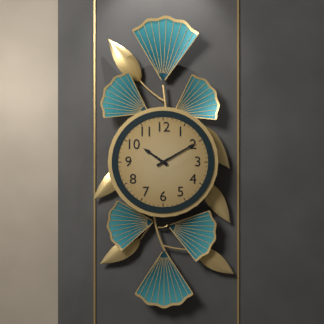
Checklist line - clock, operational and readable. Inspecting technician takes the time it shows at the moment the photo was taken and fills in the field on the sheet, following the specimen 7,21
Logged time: 10,10
